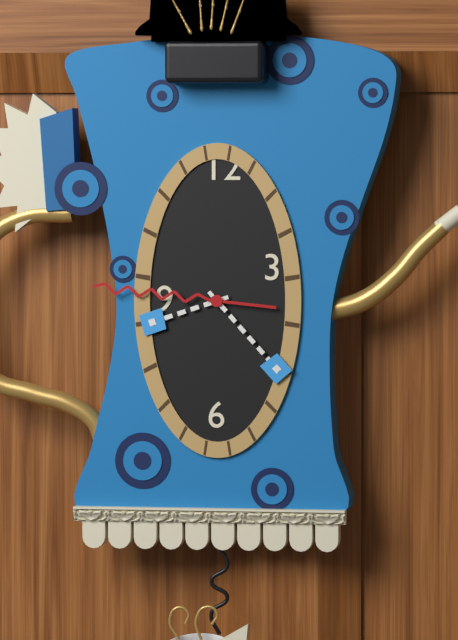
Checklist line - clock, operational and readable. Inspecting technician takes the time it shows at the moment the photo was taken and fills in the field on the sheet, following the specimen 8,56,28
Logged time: 8,23,46
